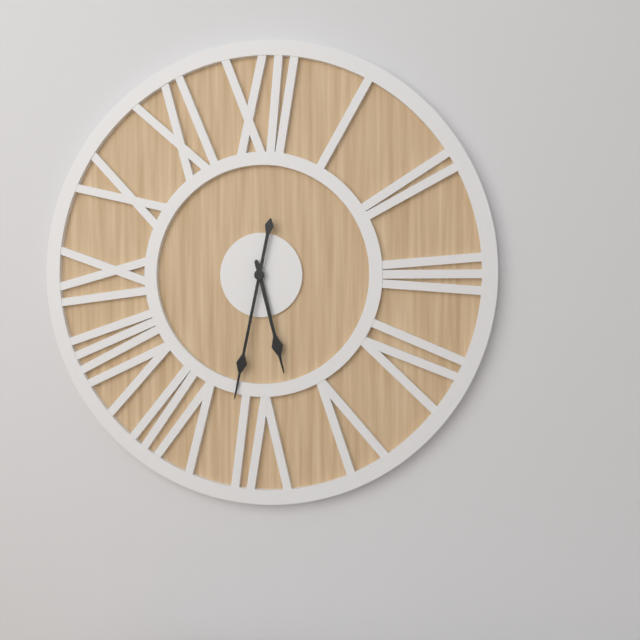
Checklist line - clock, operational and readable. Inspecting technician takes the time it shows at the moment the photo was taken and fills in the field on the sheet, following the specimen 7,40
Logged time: 5,32
